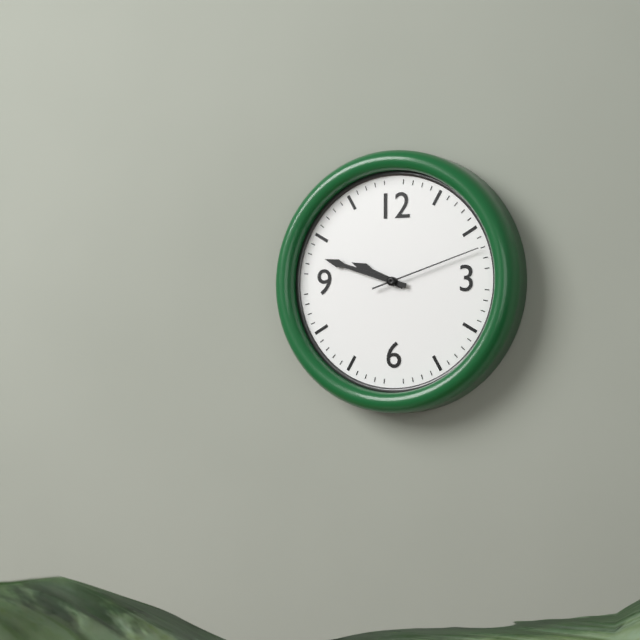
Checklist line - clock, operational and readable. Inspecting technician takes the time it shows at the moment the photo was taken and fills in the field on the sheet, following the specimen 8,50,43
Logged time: 9,48,12
